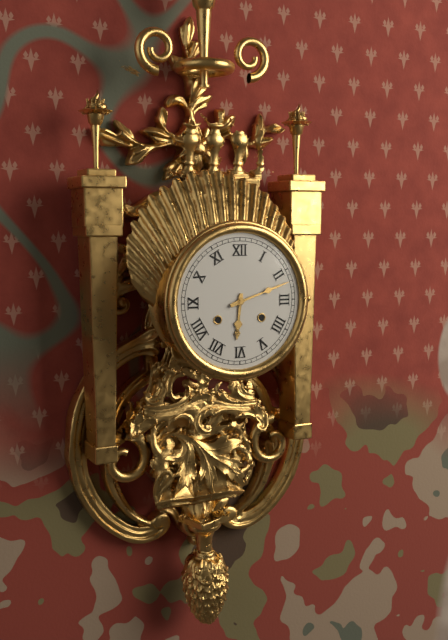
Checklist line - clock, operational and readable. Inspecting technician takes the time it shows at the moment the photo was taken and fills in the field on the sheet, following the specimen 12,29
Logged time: 6,12
